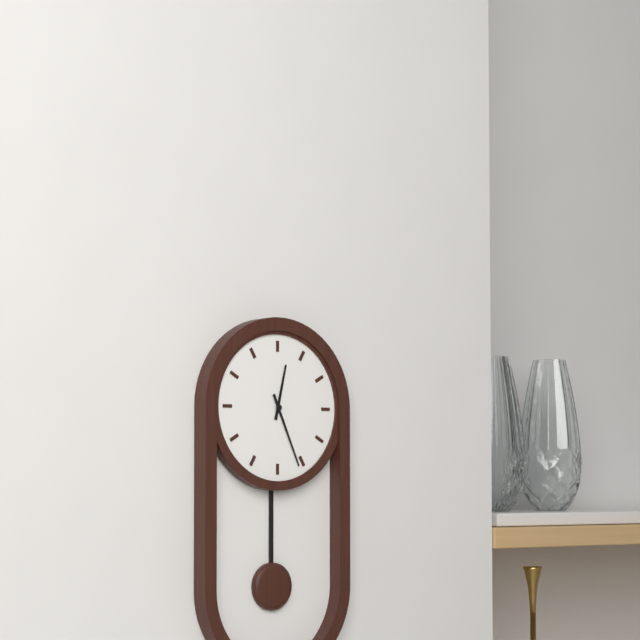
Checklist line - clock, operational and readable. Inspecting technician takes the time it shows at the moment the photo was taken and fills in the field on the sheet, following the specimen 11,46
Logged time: 12,26
